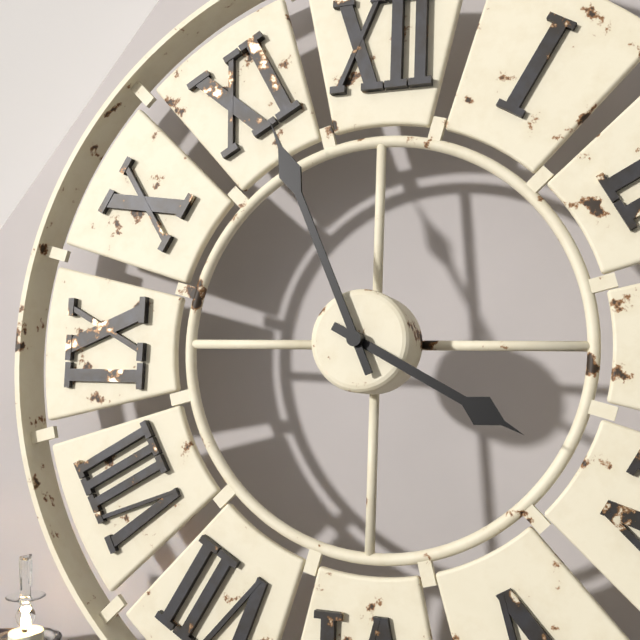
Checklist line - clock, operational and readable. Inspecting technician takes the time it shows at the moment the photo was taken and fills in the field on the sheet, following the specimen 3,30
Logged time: 3,56
